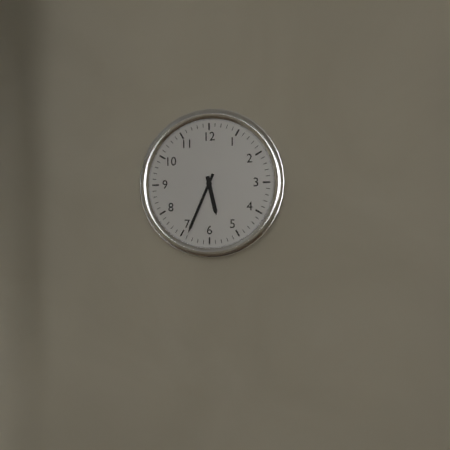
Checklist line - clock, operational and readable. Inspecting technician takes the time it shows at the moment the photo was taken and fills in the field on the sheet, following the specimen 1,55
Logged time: 5,34
